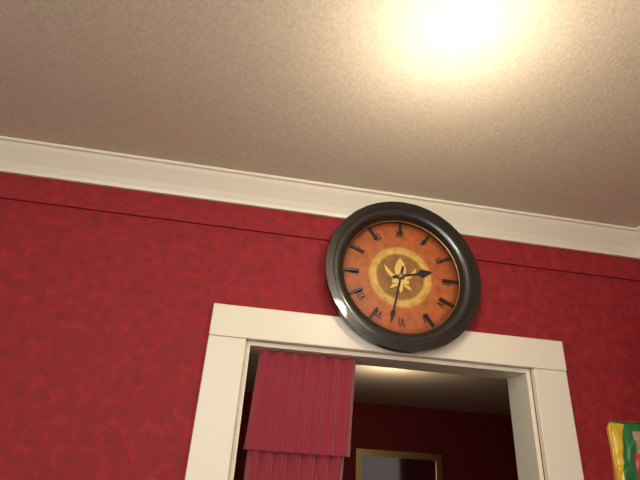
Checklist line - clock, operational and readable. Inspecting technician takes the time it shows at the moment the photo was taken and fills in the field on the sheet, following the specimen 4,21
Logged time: 2,32
